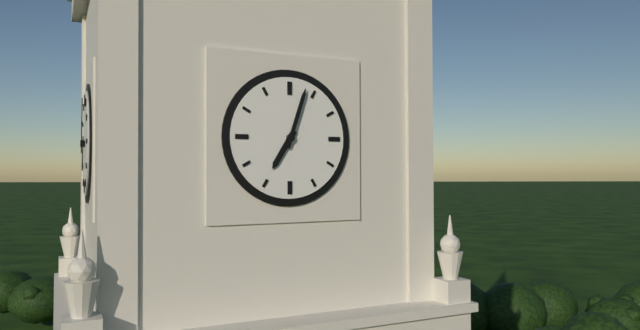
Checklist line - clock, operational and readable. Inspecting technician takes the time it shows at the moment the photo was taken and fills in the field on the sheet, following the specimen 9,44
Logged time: 7,03
